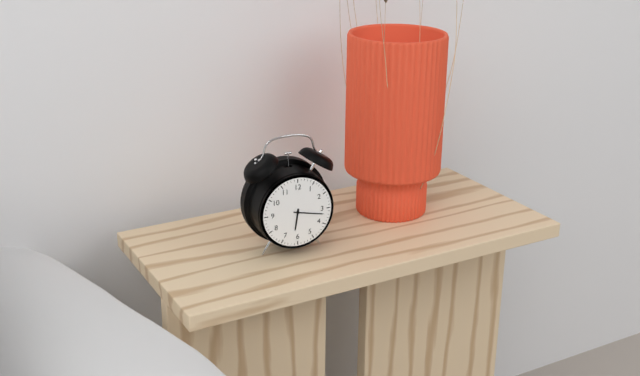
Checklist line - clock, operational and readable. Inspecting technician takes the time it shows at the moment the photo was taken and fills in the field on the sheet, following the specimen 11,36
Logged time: 6,17
